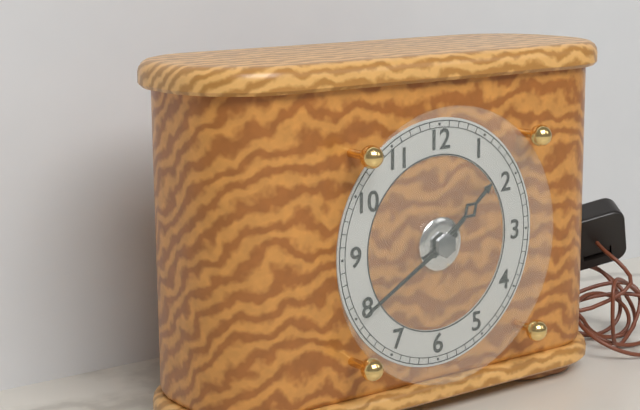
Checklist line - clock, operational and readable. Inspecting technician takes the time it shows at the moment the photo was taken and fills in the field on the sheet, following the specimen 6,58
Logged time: 1,40
